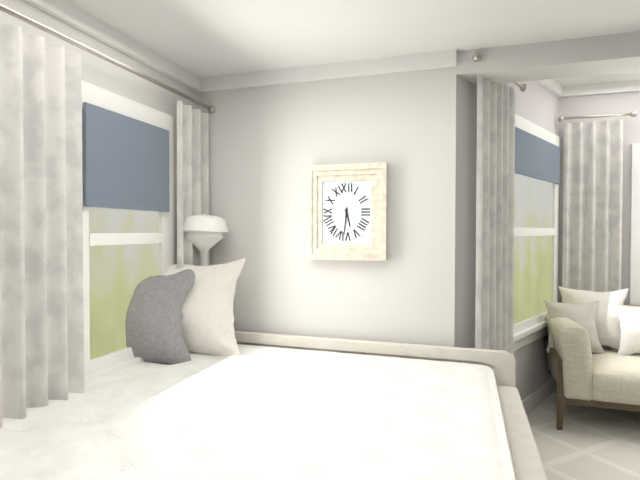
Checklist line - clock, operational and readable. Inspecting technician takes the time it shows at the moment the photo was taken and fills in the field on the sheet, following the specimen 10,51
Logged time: 5,31
